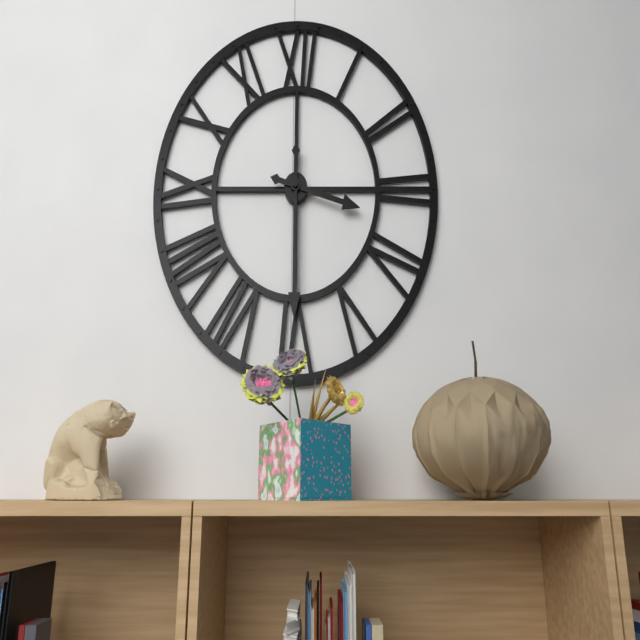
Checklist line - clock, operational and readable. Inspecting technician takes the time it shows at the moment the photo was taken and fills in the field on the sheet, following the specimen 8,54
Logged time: 3,30
